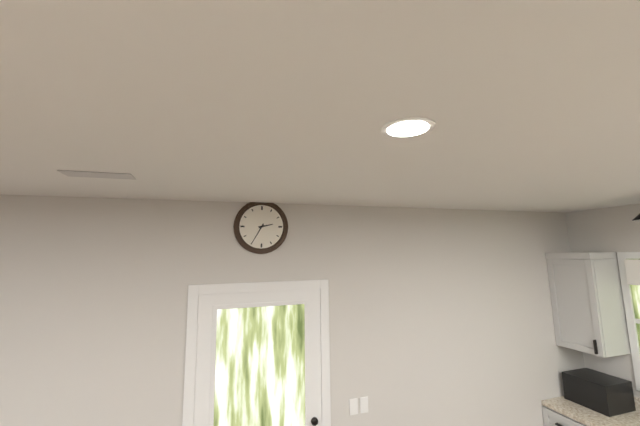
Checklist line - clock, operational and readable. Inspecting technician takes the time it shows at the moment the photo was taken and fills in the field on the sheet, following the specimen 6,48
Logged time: 2,35
